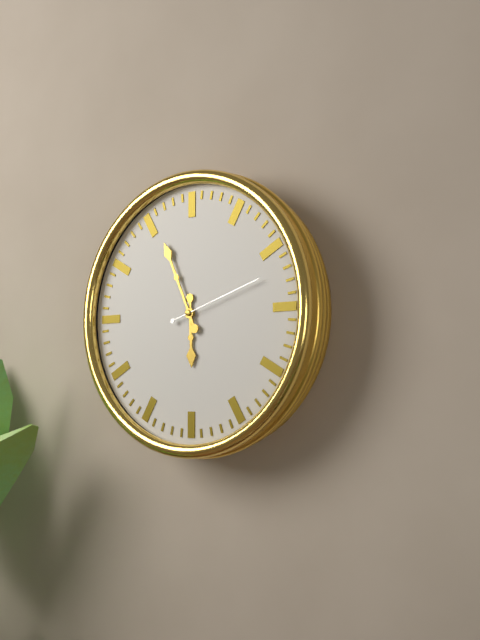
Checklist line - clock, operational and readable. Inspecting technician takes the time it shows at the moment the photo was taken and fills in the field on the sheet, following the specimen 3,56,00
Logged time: 5,56,12
